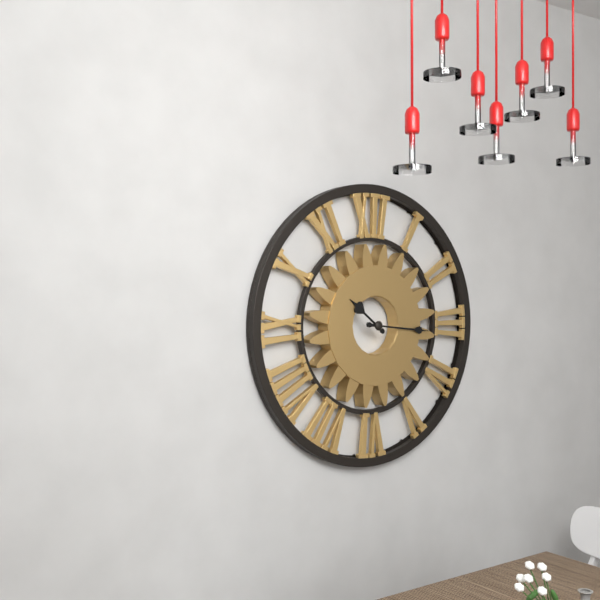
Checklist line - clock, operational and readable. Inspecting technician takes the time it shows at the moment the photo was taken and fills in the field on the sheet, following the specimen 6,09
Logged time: 10,16
